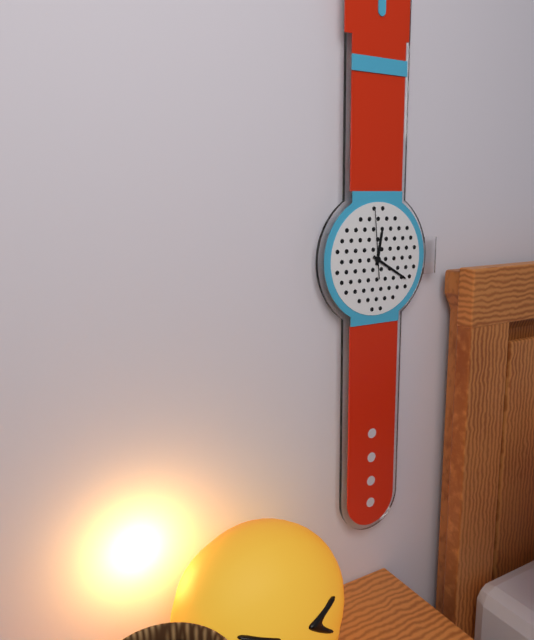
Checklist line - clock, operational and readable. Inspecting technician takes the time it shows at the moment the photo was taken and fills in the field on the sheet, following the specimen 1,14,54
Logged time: 12,20,59
